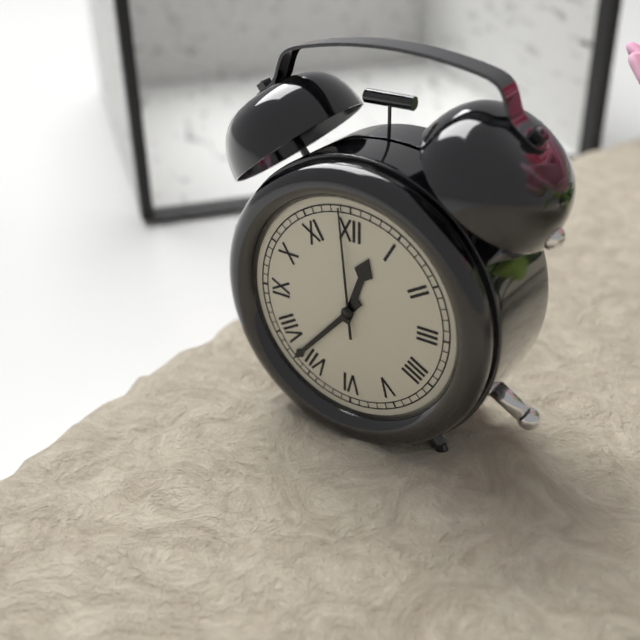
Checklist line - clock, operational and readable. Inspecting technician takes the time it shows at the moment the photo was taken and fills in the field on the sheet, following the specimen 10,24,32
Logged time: 12,37,59
